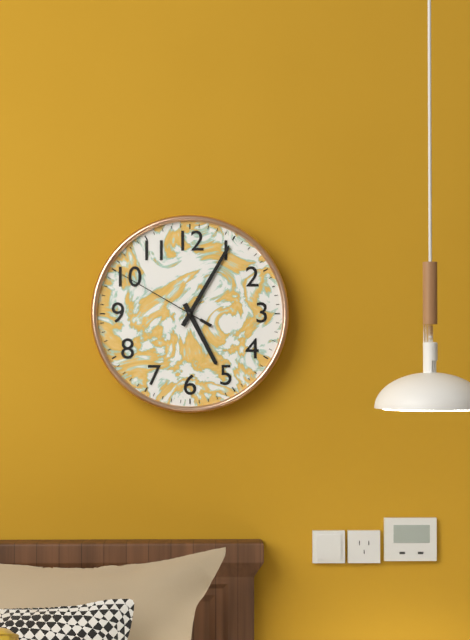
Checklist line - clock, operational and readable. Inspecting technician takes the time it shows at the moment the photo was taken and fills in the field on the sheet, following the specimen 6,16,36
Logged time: 5,05,50
